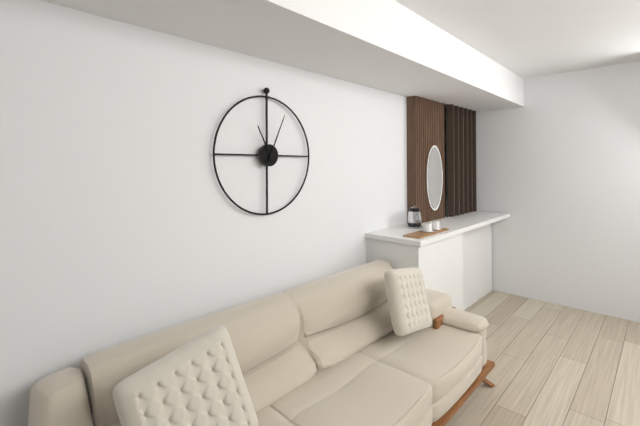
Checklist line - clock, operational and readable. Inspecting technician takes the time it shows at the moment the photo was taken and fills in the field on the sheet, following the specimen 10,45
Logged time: 11,04
